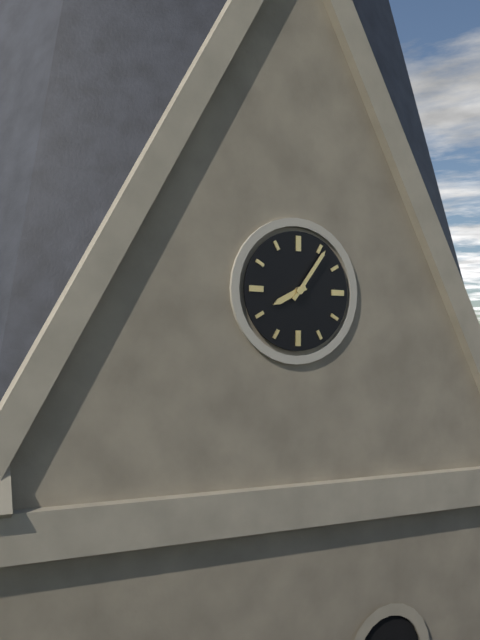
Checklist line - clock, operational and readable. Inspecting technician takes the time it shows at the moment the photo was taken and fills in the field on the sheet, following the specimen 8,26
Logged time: 8,06
